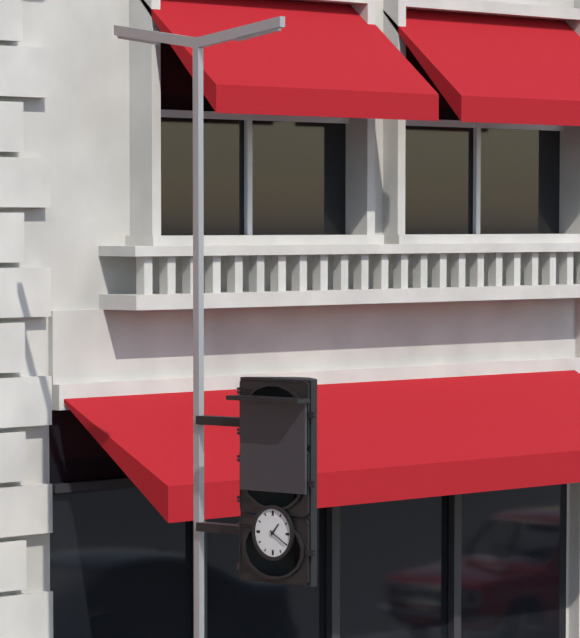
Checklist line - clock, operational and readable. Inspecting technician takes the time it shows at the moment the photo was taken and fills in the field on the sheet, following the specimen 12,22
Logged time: 1,20
